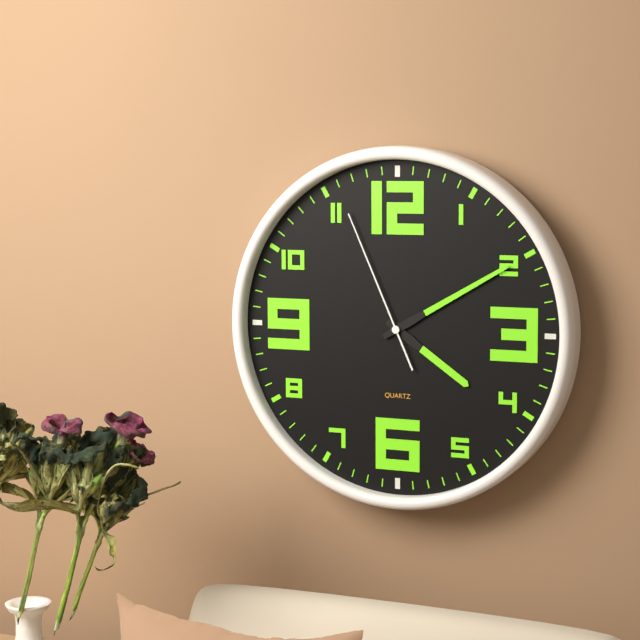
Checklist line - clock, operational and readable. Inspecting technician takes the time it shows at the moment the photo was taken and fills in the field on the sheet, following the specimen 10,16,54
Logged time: 4,10,56
